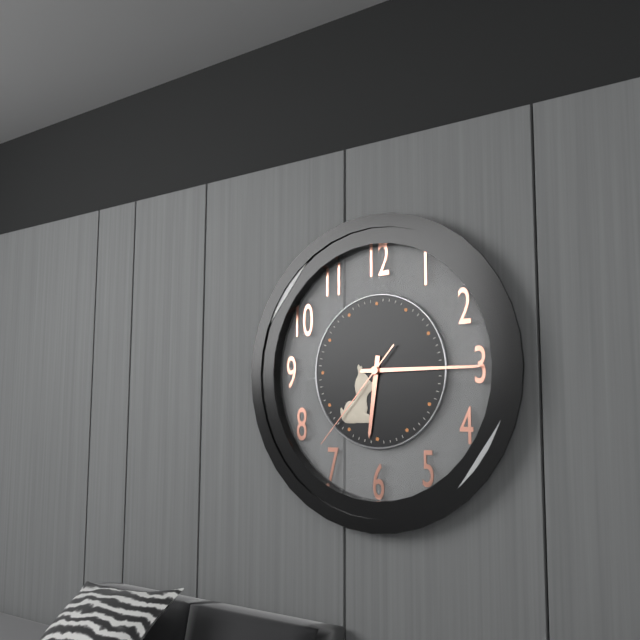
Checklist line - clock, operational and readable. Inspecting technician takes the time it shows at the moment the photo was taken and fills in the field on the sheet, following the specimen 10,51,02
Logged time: 6,15,37
